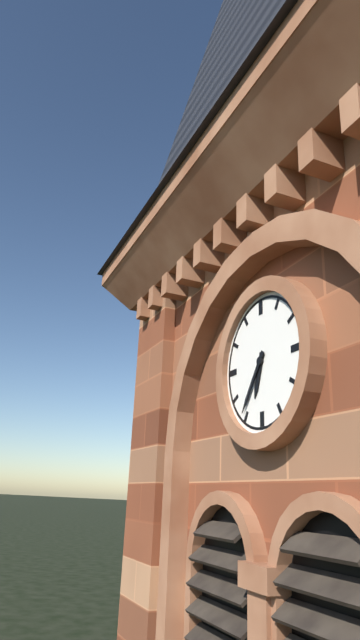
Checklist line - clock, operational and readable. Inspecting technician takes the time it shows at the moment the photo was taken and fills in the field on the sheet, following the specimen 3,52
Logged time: 6,36
